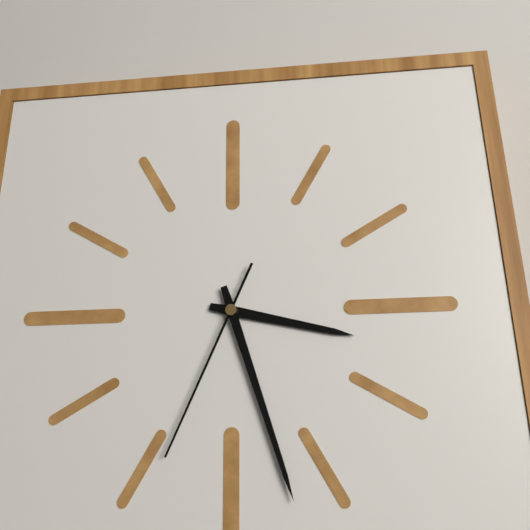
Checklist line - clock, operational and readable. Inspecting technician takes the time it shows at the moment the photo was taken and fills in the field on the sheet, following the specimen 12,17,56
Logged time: 3,27,34
